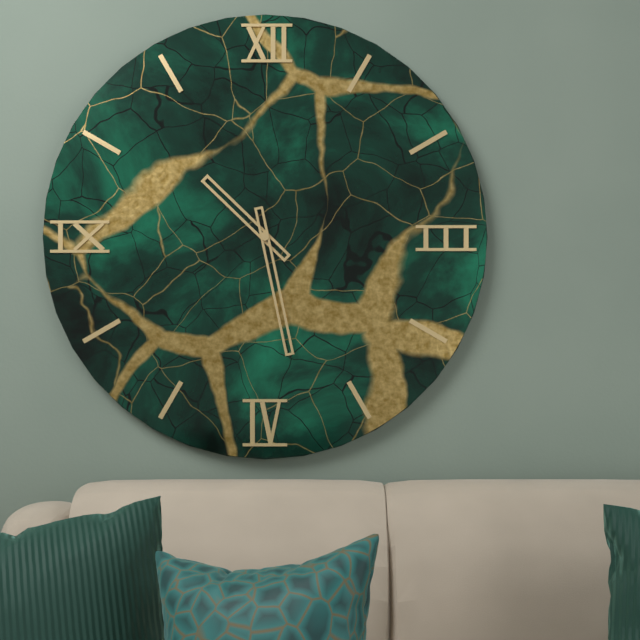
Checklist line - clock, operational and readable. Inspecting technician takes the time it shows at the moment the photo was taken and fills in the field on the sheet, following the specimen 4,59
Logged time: 10,28
